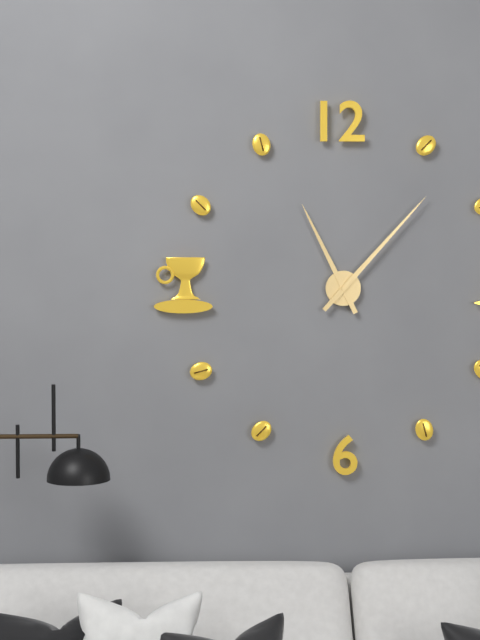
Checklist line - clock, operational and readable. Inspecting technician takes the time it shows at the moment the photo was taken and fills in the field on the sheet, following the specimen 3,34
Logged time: 11,07
